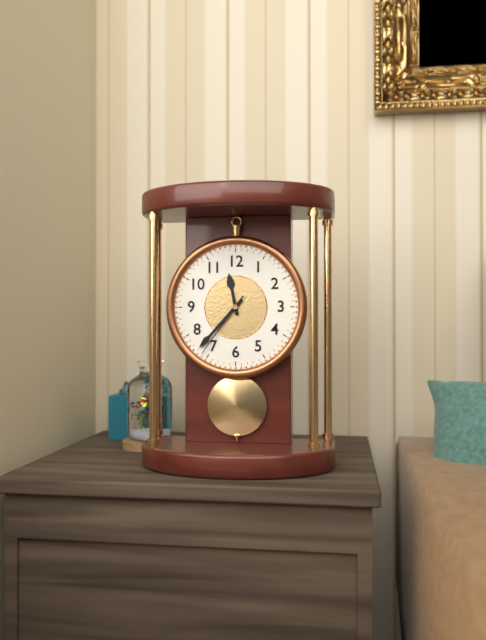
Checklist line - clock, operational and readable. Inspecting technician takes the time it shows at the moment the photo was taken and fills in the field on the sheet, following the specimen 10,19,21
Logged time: 11,37,36
